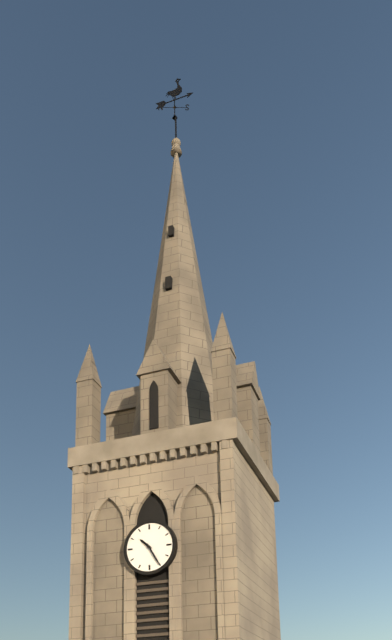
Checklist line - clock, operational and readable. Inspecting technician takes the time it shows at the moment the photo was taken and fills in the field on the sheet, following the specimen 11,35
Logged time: 10,25
